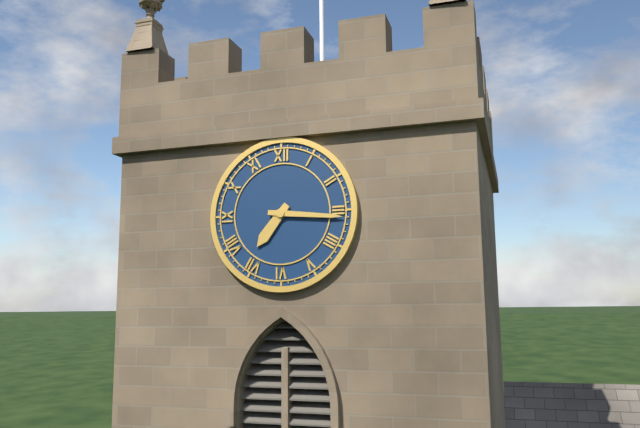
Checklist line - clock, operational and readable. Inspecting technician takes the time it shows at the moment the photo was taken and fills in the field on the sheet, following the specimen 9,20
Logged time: 7,16
